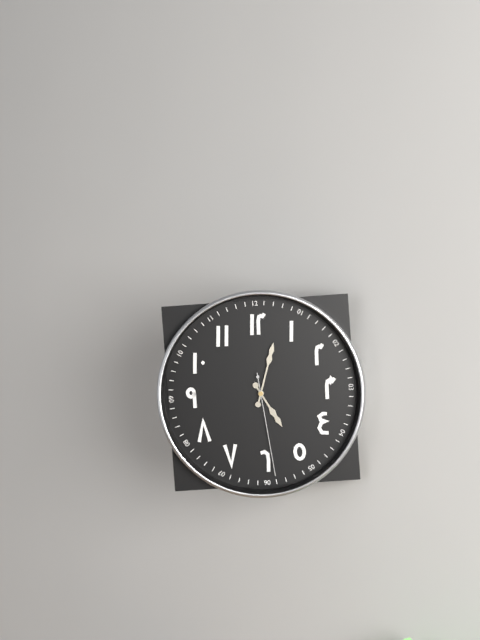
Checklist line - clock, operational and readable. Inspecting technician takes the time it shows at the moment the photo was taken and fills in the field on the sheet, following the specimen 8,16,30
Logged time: 5,03,29
